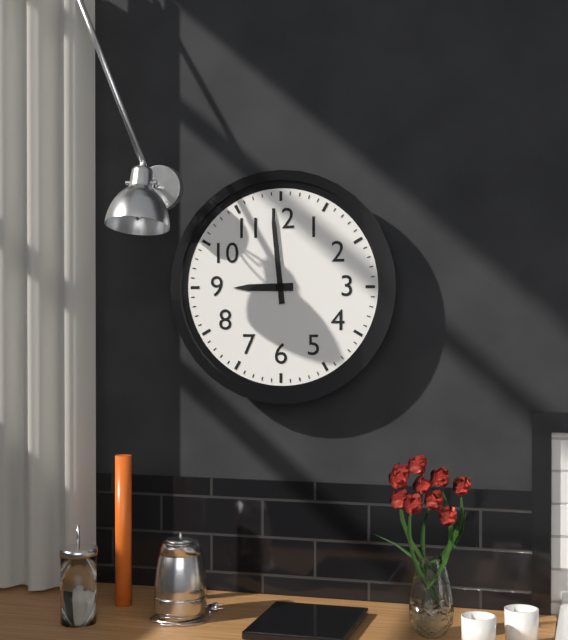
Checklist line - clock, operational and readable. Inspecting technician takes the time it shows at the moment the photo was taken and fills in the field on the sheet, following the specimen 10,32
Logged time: 8,59
